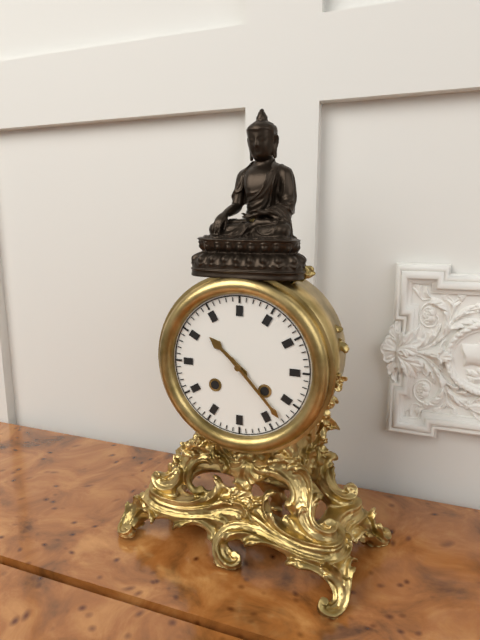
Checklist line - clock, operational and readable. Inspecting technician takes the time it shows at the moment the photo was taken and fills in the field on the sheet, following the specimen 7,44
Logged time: 10,23
